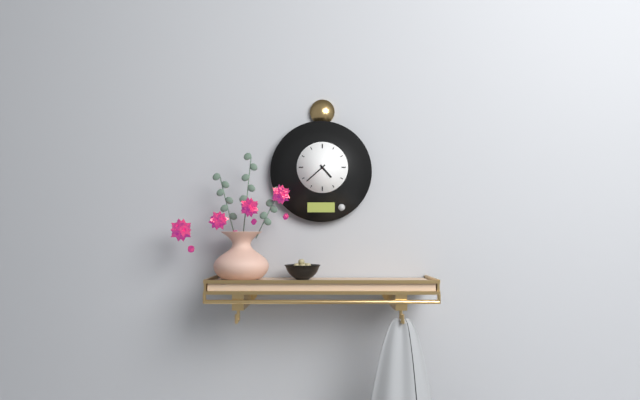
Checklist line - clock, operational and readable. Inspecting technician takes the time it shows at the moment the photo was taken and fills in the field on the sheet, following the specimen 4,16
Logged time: 4,38
